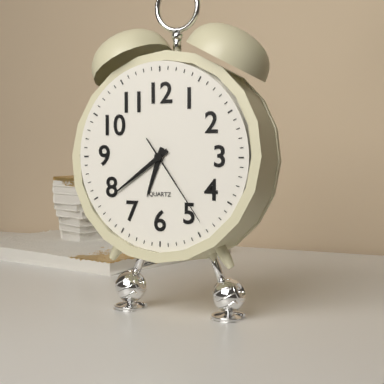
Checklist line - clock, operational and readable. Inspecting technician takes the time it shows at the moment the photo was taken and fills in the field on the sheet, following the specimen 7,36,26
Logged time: 6,39,24
